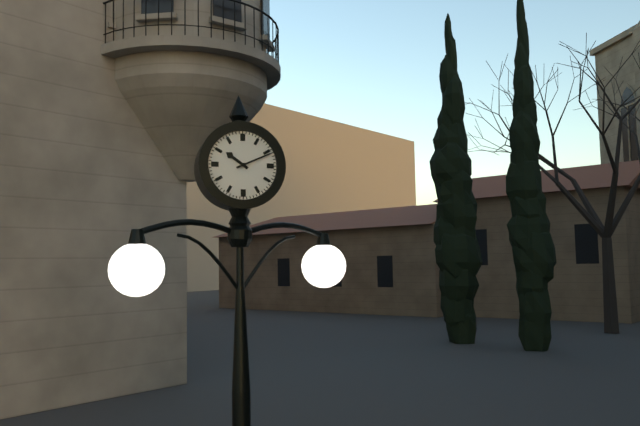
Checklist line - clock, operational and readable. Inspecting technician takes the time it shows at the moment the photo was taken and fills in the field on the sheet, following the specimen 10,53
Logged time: 10,11
